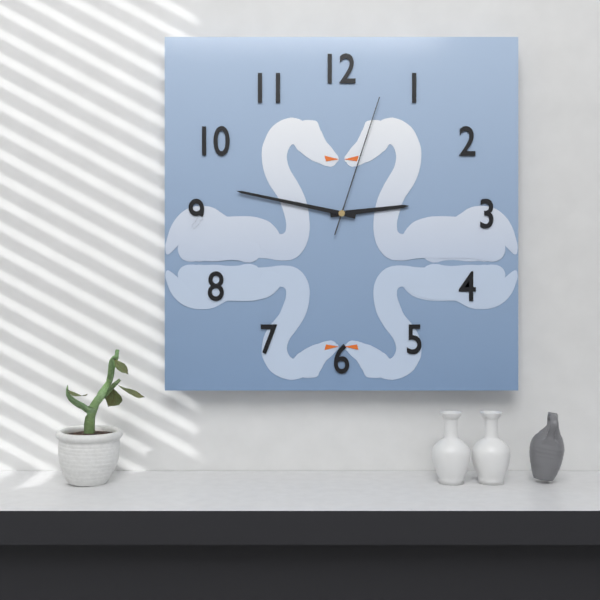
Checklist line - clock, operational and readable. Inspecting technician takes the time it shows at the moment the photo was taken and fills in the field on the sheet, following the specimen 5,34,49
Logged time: 2,47,03
